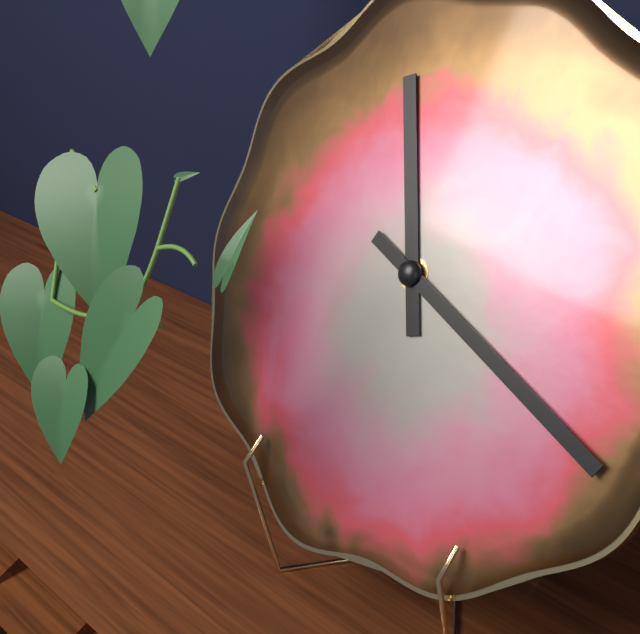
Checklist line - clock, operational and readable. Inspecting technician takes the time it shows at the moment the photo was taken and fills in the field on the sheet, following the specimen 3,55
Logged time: 11,19
